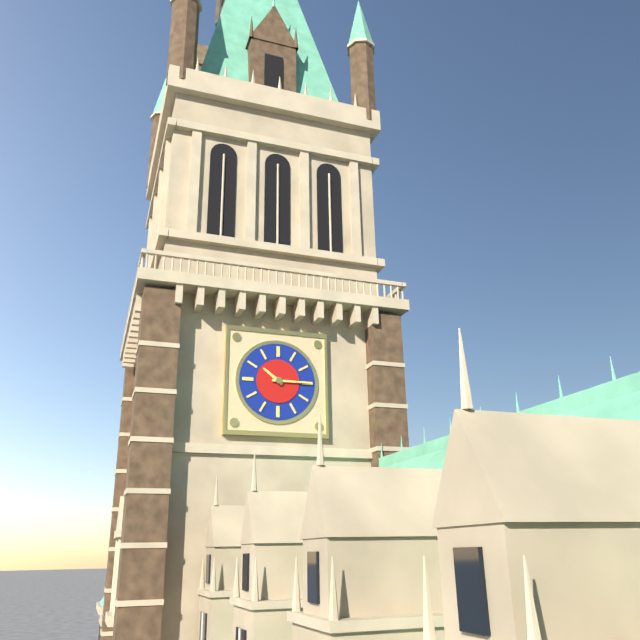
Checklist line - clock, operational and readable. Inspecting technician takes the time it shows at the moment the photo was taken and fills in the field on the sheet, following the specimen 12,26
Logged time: 10,15
